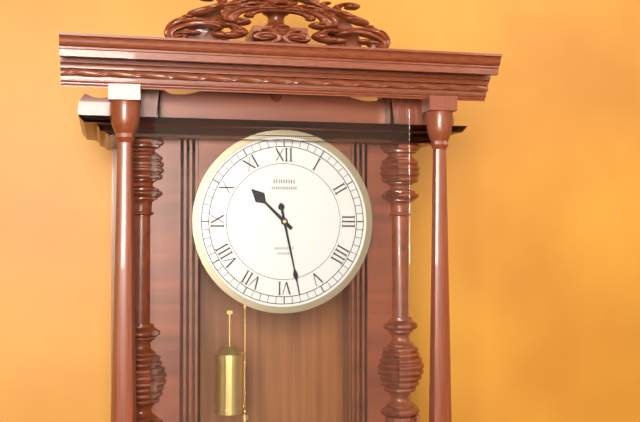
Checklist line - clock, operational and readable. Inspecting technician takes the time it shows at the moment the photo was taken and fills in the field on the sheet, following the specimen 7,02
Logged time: 10,28
